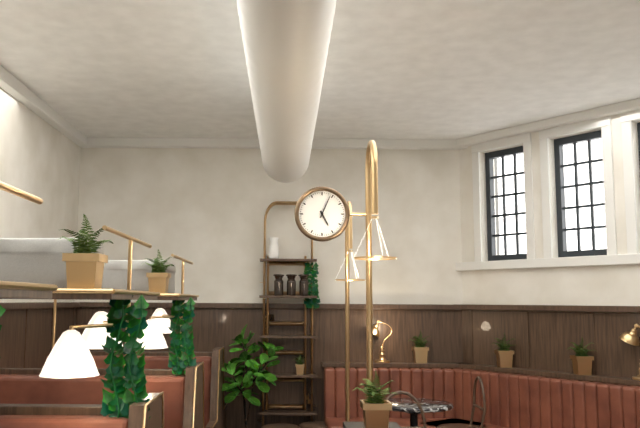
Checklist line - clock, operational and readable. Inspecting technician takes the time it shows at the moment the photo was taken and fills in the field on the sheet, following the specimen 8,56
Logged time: 5,04
